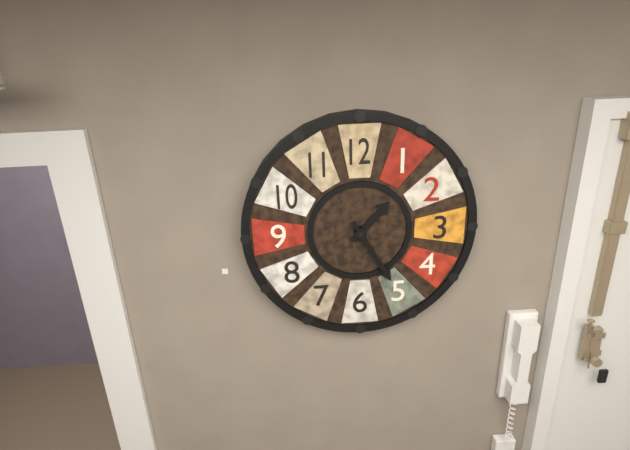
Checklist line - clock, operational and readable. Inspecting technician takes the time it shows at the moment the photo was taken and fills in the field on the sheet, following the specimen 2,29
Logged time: 1,25
